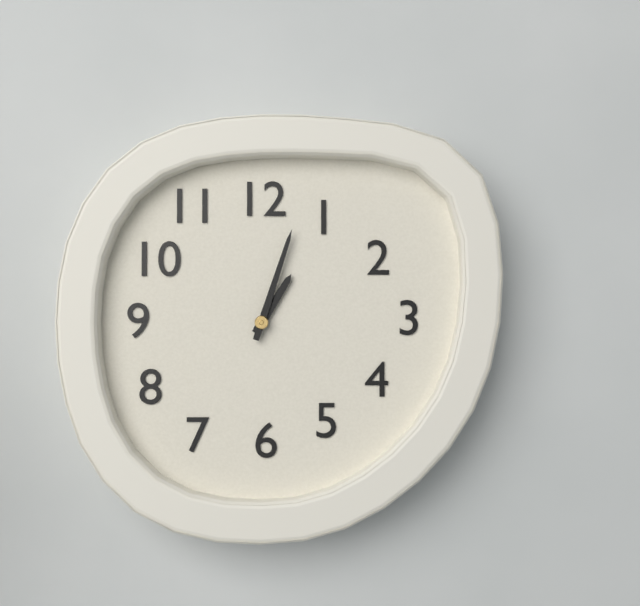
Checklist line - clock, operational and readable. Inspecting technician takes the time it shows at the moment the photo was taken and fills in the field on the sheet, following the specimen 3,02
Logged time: 1,03
